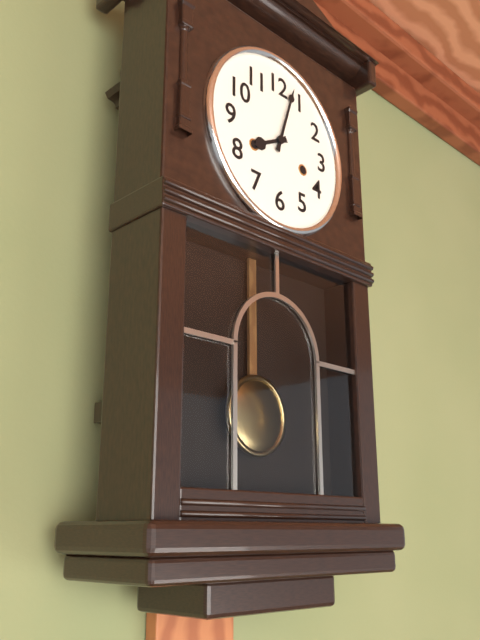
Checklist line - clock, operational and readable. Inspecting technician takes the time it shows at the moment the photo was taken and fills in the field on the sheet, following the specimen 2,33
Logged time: 8,03
